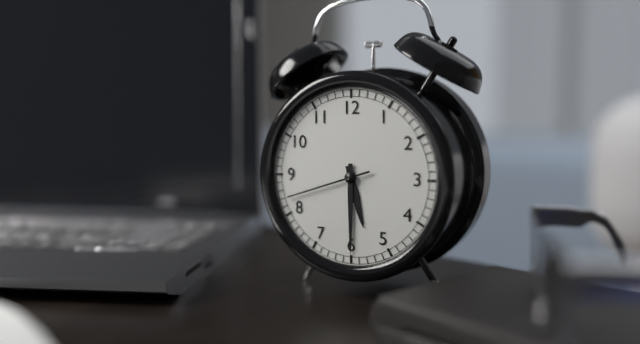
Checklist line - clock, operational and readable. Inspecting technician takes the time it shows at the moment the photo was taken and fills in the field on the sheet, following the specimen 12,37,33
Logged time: 5,30,42
